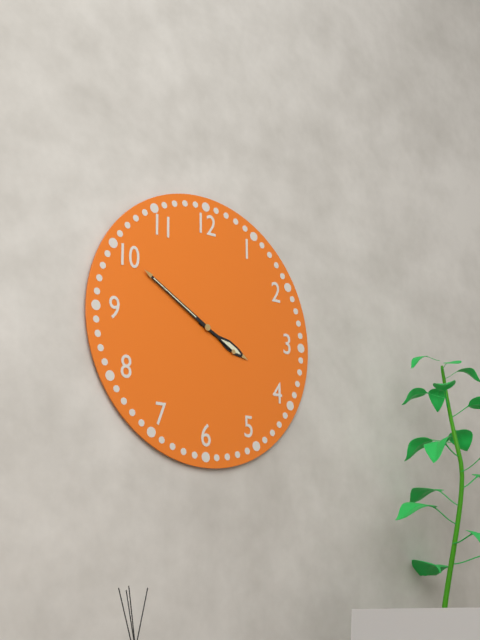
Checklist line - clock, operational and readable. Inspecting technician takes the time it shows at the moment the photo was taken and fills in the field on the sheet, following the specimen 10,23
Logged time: 3,50
